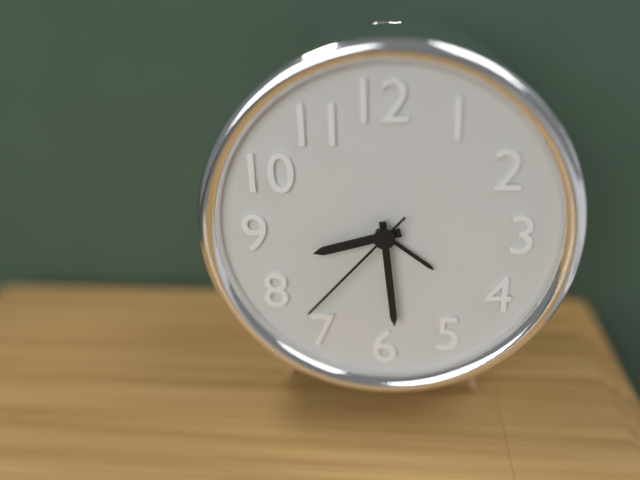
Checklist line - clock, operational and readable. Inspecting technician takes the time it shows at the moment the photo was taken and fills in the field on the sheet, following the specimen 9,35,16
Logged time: 8,29,37
